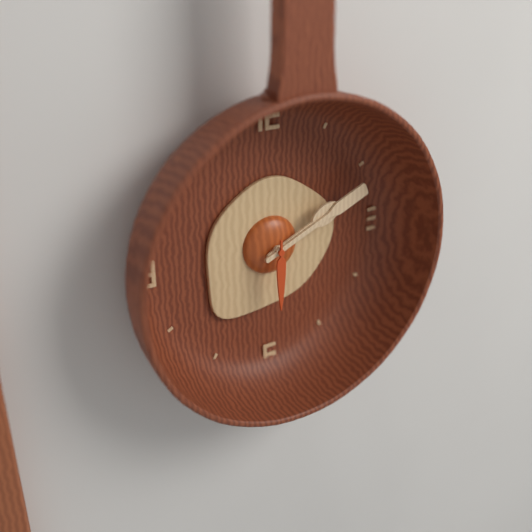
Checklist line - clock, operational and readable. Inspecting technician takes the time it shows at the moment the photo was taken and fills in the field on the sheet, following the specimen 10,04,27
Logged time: 2,11,30
